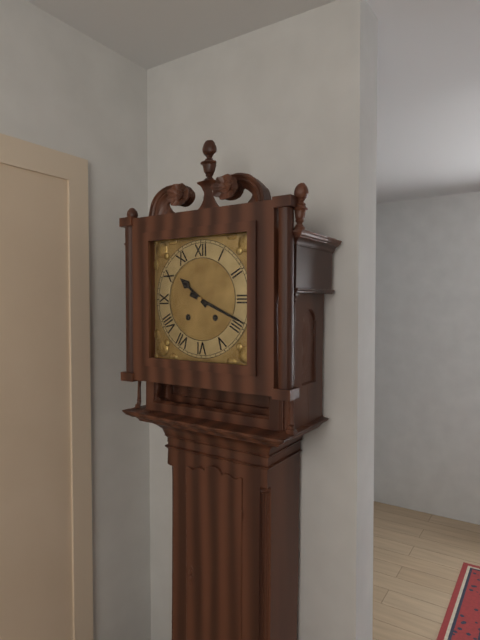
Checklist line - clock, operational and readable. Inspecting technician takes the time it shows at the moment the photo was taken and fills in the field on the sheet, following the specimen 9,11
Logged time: 10,19
